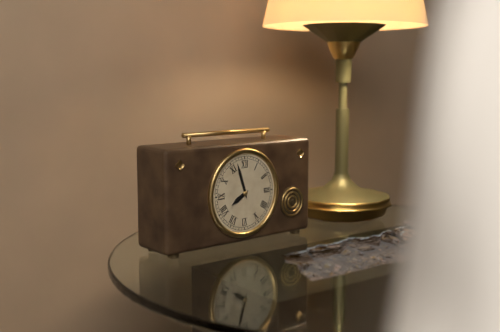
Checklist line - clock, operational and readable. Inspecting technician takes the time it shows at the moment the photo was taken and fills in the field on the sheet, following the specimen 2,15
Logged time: 7,57
